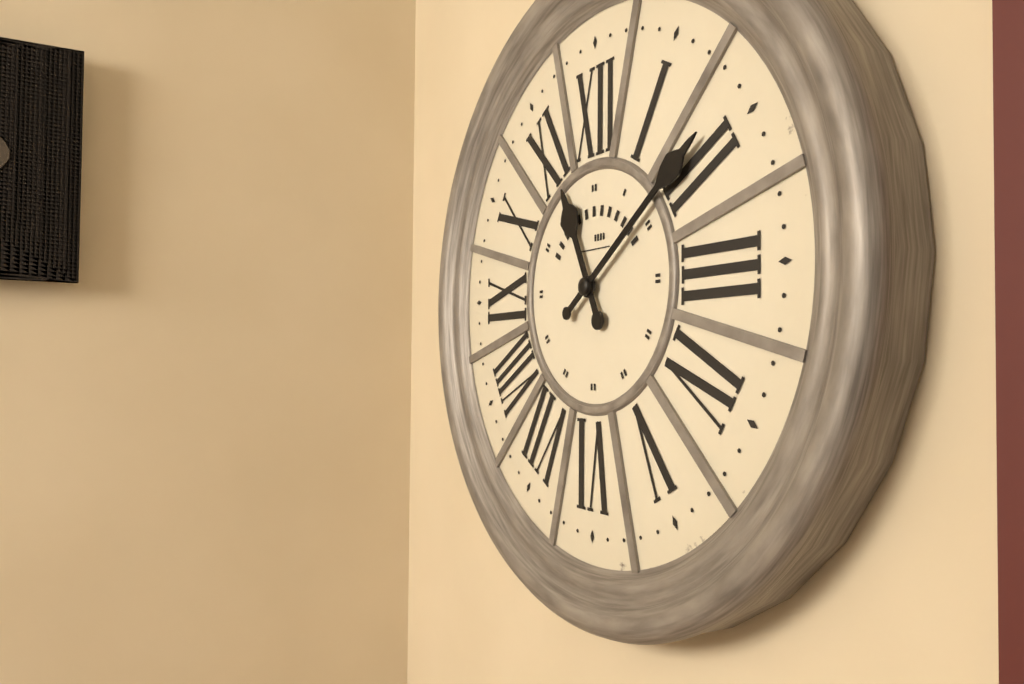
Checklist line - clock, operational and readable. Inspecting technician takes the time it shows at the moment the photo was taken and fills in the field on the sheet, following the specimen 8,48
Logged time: 11,09
